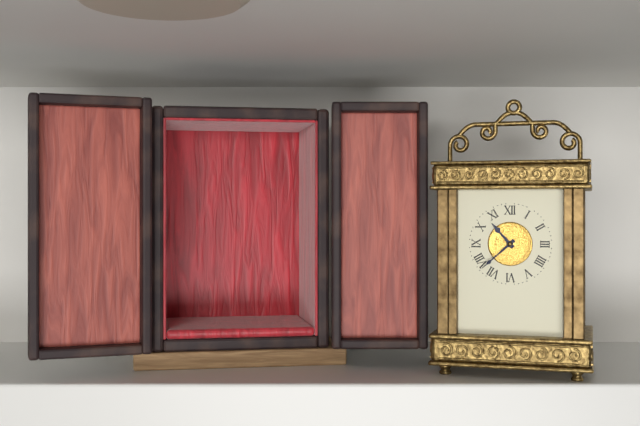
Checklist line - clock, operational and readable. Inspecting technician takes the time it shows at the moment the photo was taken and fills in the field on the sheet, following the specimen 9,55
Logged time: 10,38
